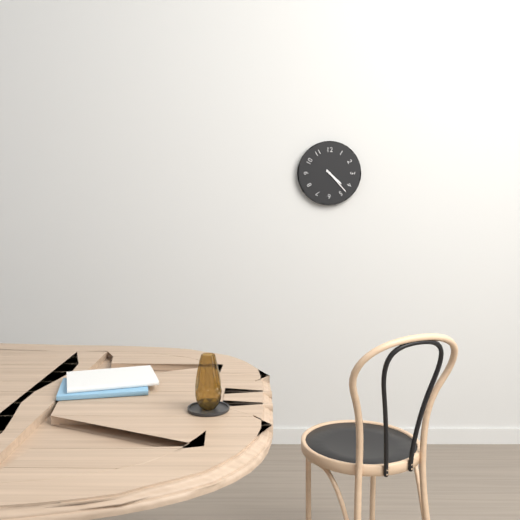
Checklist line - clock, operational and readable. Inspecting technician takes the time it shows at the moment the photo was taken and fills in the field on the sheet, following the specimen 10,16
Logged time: 4,23
